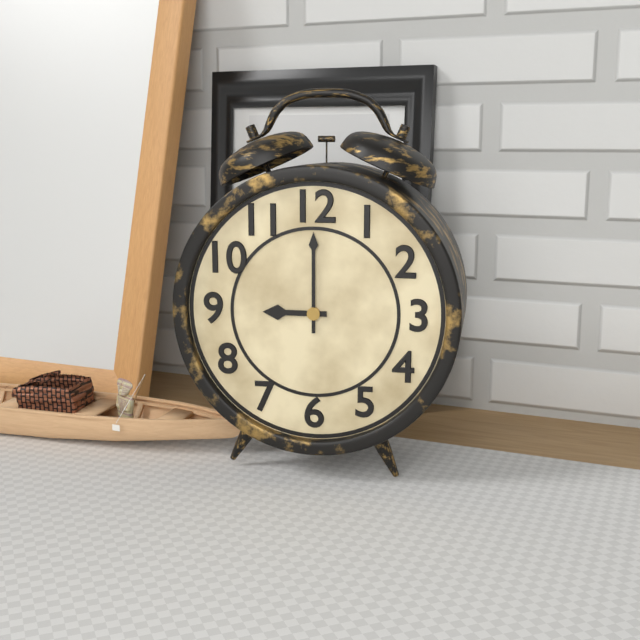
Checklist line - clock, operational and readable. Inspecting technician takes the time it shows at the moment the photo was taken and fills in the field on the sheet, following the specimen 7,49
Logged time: 9,00
